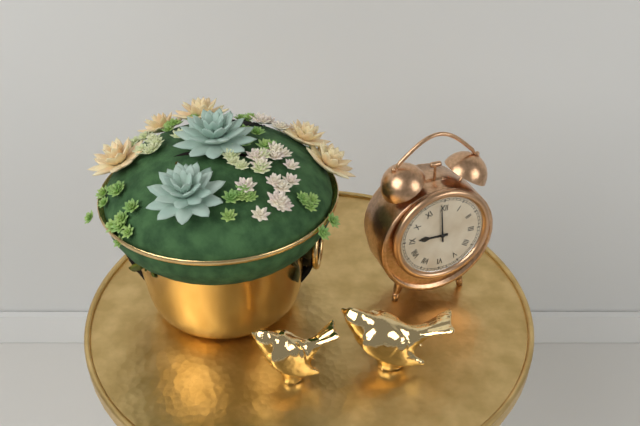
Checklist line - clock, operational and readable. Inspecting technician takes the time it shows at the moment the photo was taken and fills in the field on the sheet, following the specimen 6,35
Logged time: 8,59
